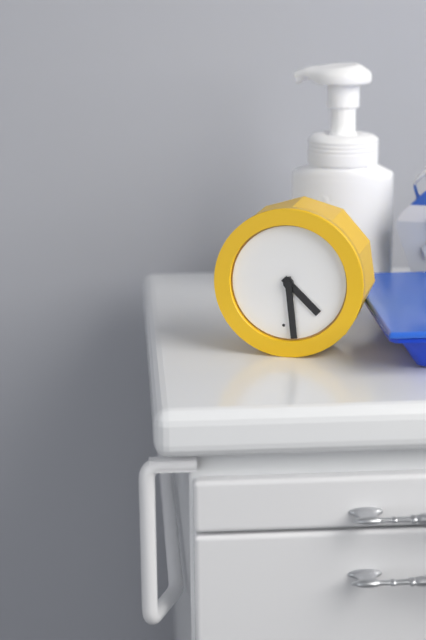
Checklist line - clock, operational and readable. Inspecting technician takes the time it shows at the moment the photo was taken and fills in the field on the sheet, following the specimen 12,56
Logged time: 4,29
